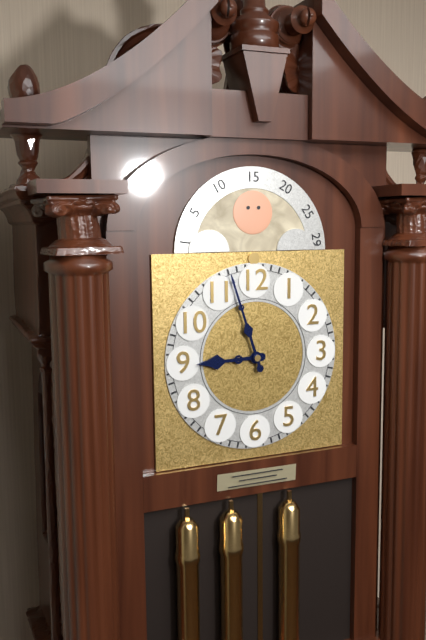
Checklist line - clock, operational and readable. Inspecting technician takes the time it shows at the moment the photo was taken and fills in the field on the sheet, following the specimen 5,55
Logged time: 8,57
